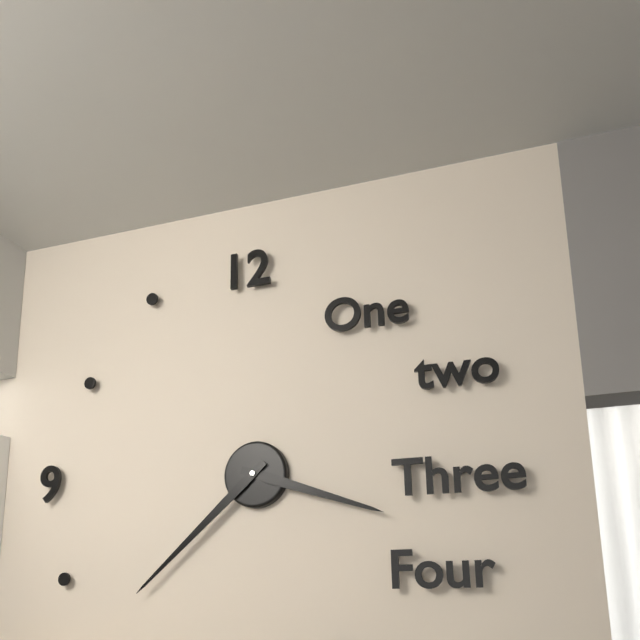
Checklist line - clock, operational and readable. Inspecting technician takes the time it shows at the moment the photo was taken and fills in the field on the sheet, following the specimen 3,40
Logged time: 3,38
